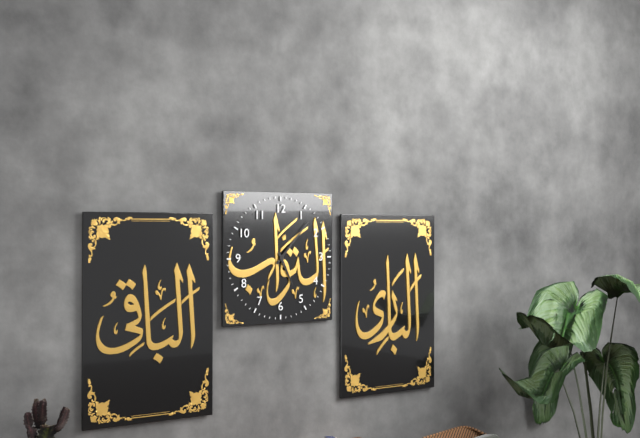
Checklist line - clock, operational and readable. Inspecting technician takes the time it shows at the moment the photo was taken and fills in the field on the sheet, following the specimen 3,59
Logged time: 5,07
